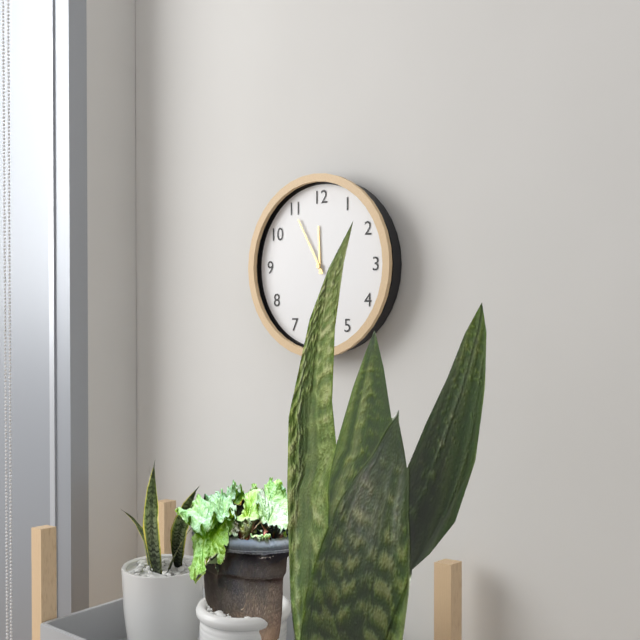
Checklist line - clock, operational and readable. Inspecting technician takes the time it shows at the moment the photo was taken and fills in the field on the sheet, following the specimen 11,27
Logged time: 11,55
